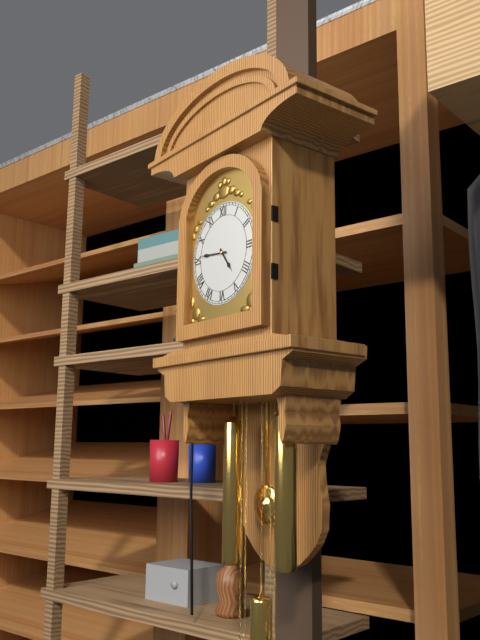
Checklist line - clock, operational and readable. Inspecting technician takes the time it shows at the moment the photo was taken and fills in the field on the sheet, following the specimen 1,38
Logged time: 4,46
